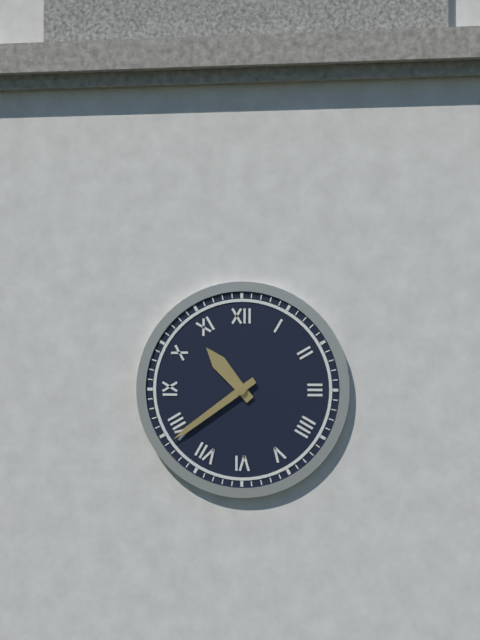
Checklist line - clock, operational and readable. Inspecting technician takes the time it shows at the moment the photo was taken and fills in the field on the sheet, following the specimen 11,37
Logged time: 10,39
